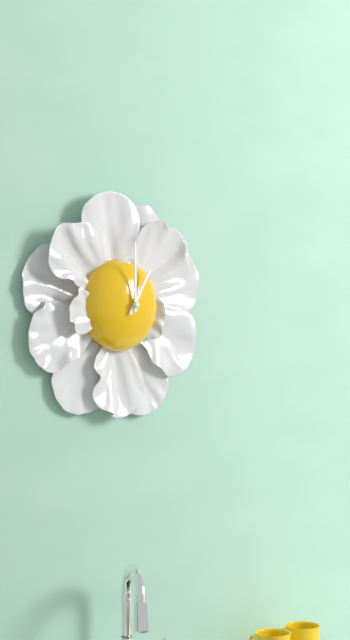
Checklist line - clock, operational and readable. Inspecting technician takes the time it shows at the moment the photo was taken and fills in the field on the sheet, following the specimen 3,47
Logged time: 1,00
